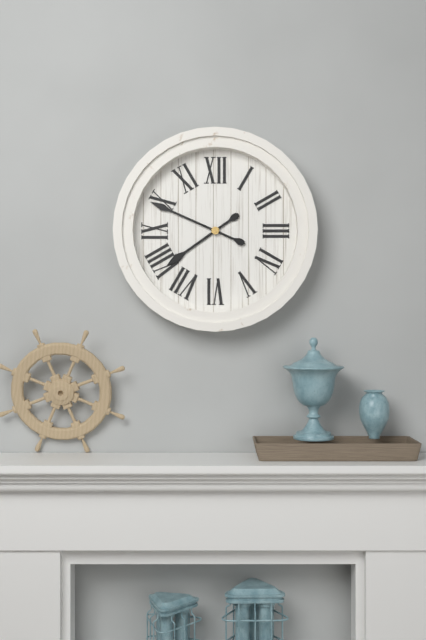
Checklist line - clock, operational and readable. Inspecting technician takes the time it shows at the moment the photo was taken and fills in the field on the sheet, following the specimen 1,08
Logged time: 7,49
